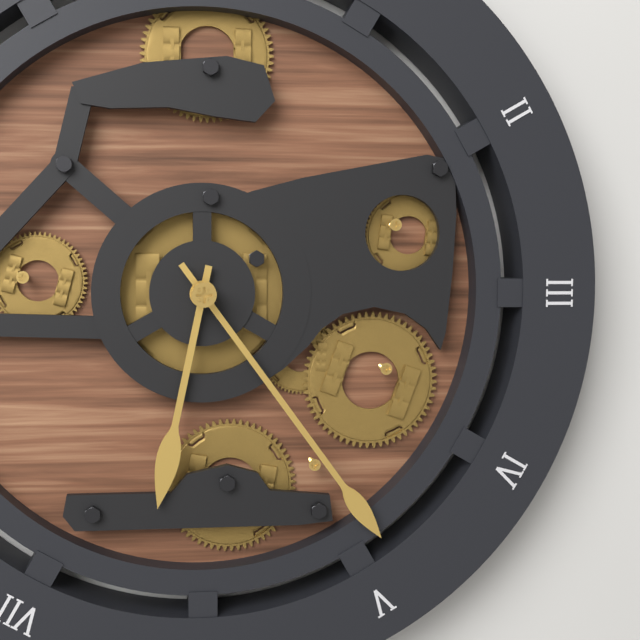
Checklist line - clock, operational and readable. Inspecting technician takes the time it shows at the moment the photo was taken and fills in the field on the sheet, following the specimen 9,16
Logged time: 6,24
